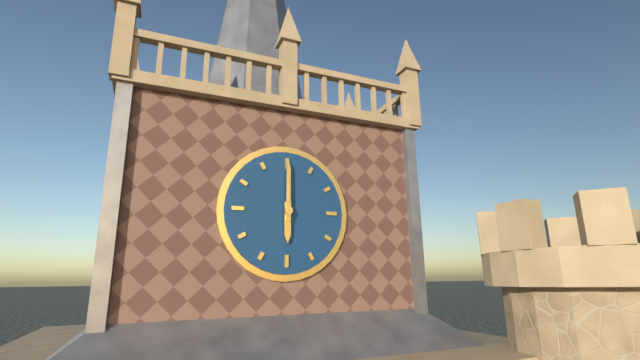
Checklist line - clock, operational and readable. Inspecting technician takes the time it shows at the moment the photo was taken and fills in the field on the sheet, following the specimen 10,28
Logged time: 6,00
